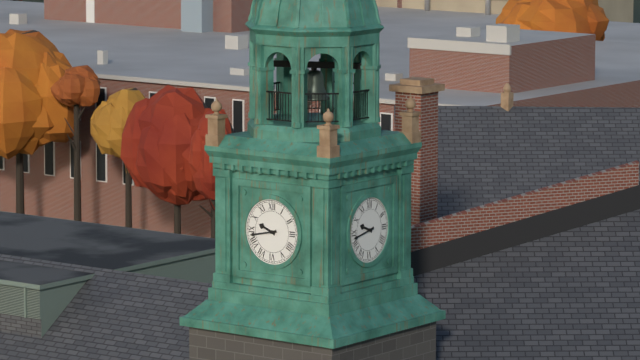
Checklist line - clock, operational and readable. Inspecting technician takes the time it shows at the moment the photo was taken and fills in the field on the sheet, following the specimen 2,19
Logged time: 9,43
